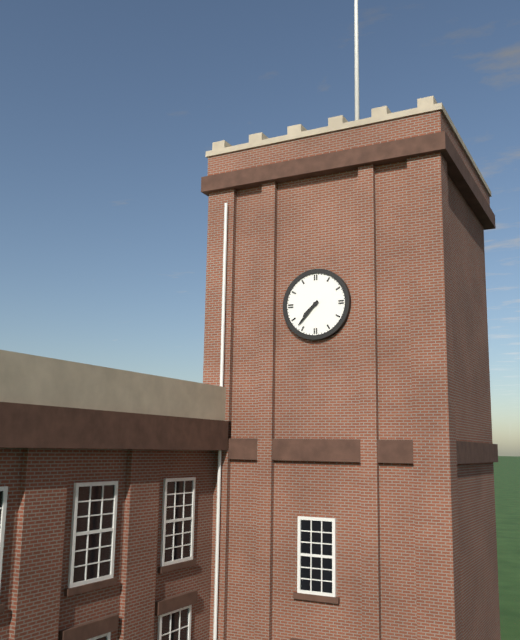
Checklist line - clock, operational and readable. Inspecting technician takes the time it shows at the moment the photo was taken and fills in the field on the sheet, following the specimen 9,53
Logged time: 7,37
